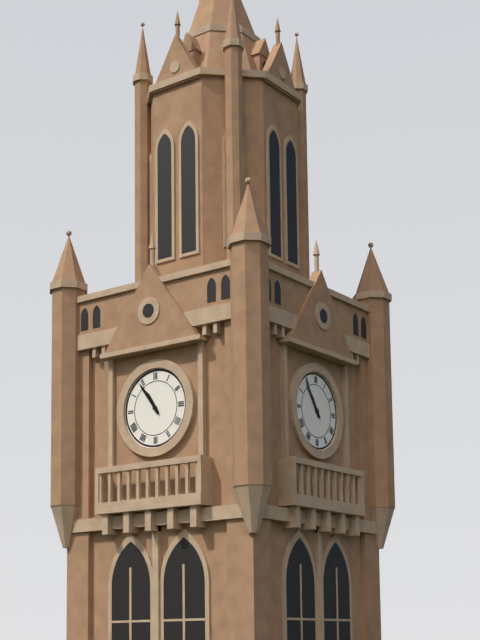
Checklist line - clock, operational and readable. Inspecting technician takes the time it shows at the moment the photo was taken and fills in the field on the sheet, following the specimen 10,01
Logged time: 10,54
